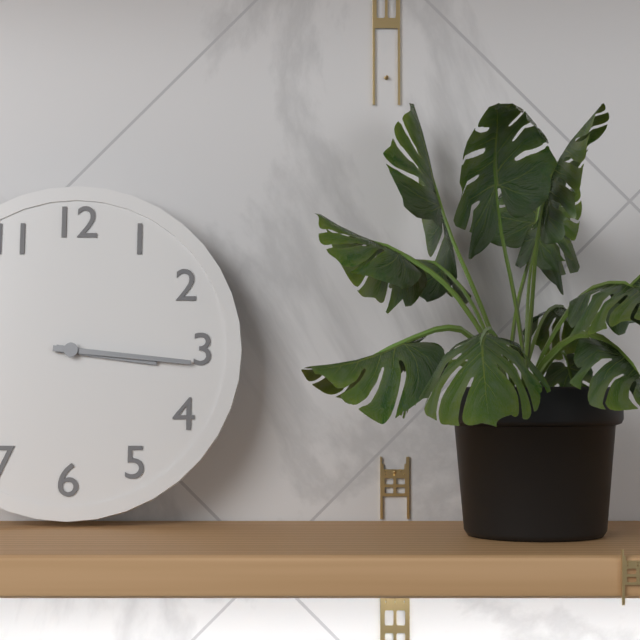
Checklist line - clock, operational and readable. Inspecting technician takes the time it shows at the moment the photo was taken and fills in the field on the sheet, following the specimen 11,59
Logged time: 3,16
